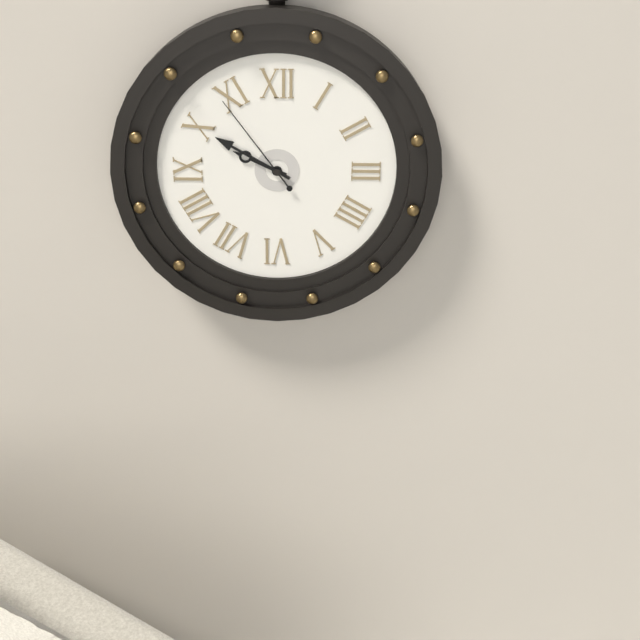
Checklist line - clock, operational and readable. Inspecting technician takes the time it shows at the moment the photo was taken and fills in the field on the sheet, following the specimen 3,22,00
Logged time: 9,50,54
